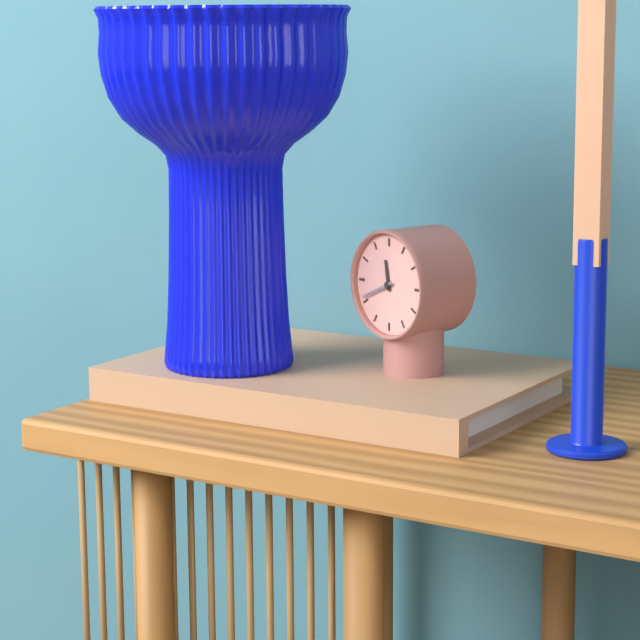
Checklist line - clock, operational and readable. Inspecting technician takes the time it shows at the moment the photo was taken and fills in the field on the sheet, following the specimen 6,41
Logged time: 11,41
